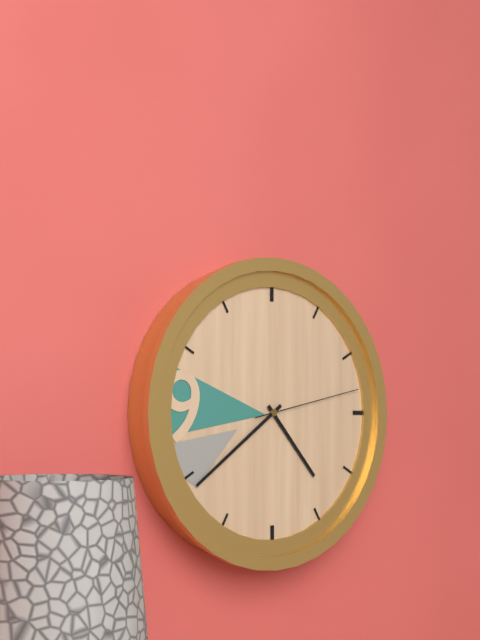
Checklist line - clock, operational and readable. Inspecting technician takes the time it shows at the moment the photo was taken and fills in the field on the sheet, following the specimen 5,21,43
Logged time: 4,39,13
